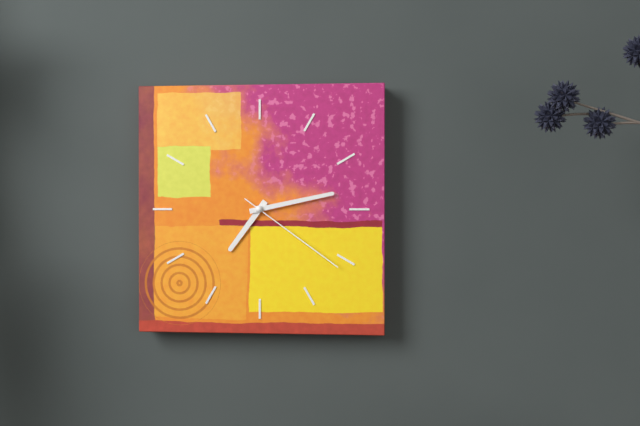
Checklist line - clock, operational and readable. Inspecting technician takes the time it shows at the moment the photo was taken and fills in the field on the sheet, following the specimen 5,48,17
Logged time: 7,13,21
